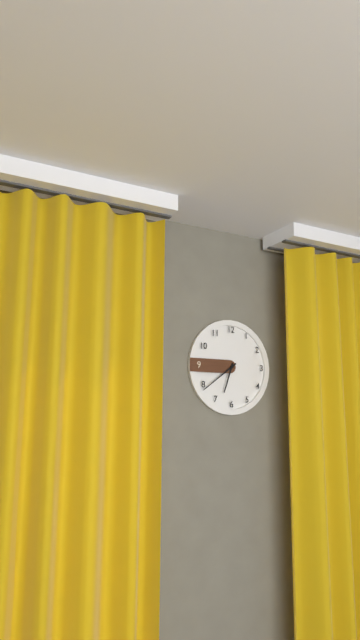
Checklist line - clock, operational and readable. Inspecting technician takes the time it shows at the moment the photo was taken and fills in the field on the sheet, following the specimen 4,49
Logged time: 6,39
